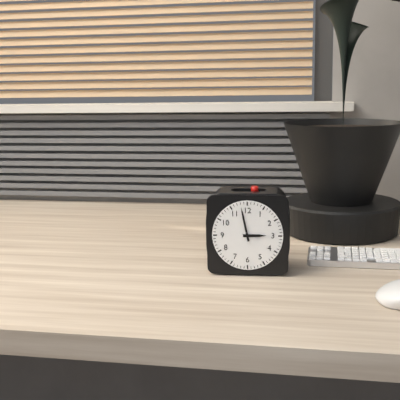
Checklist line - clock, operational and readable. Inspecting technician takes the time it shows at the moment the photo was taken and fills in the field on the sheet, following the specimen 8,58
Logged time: 2,58
